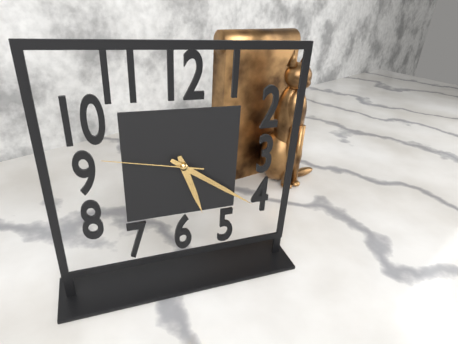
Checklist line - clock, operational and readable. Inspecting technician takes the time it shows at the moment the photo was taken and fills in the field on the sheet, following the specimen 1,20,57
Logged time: 5,21,47
